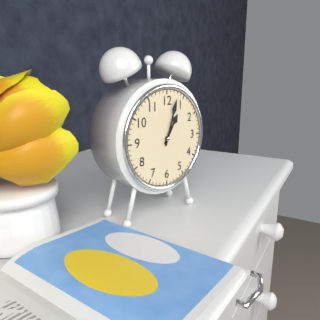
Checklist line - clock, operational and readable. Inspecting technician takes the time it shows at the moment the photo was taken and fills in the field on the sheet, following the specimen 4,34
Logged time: 1,03
